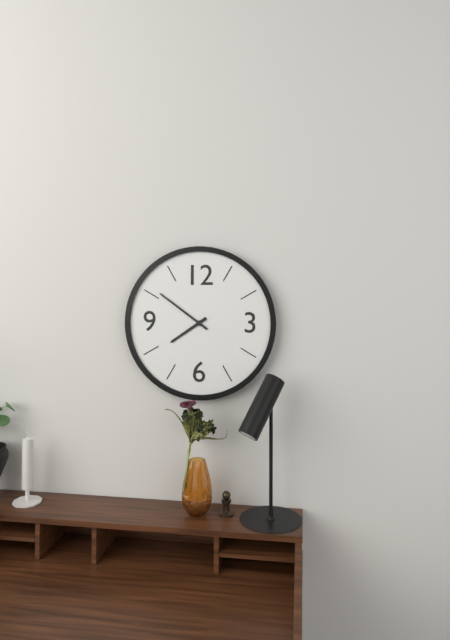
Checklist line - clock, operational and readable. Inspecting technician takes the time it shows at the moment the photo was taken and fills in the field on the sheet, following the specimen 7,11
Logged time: 7,51
